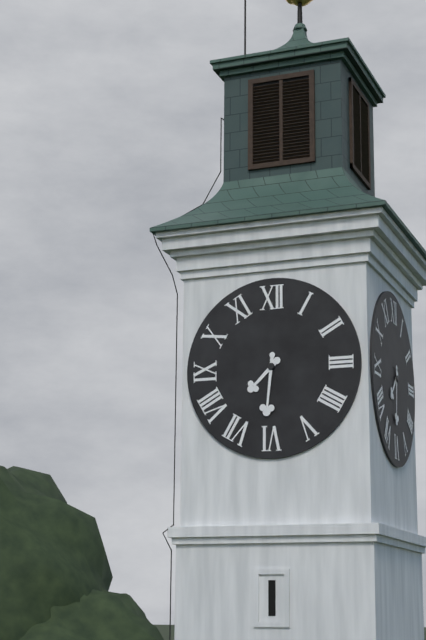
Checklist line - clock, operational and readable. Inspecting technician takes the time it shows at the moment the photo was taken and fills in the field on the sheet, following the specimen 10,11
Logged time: 7,31
